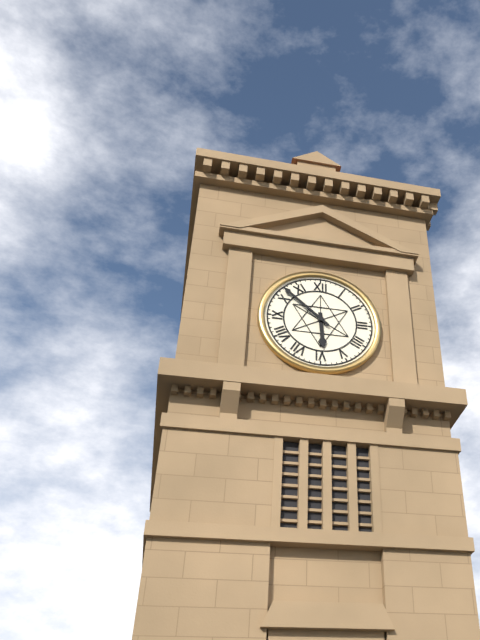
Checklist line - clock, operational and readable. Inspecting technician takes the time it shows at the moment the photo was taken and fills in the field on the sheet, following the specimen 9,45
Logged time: 5,52
